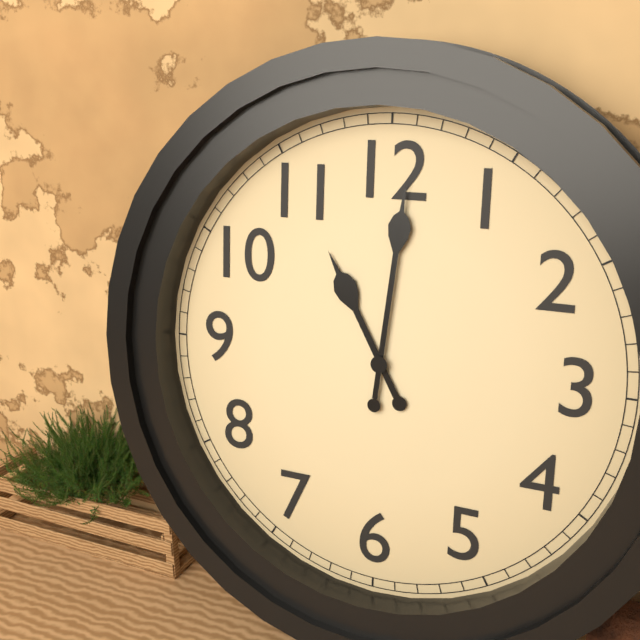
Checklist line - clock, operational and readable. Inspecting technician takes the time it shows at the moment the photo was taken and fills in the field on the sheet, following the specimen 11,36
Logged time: 11,01
